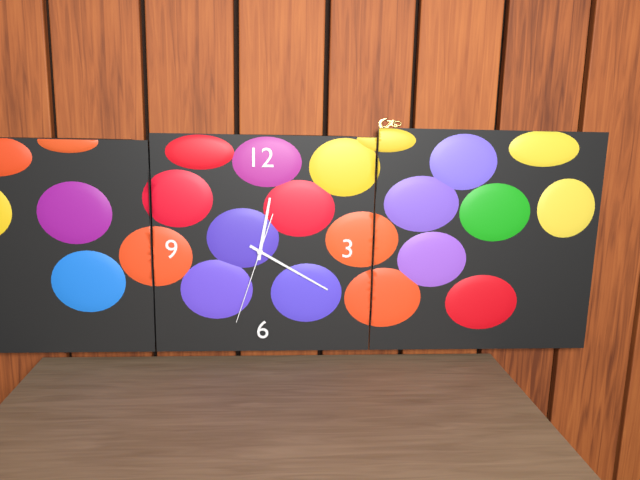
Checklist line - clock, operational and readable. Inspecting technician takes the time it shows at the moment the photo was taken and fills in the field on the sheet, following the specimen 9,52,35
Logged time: 12,20,33
